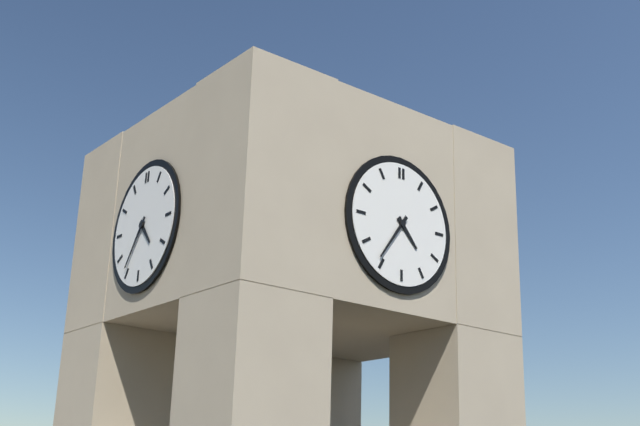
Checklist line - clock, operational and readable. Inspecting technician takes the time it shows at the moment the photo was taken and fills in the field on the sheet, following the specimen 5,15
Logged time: 4,36
